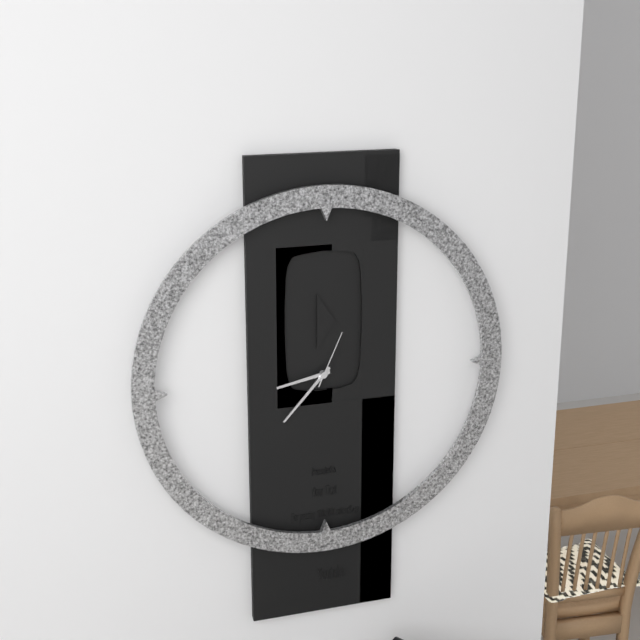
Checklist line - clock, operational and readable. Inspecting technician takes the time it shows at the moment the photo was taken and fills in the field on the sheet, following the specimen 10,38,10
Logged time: 8,37,04
